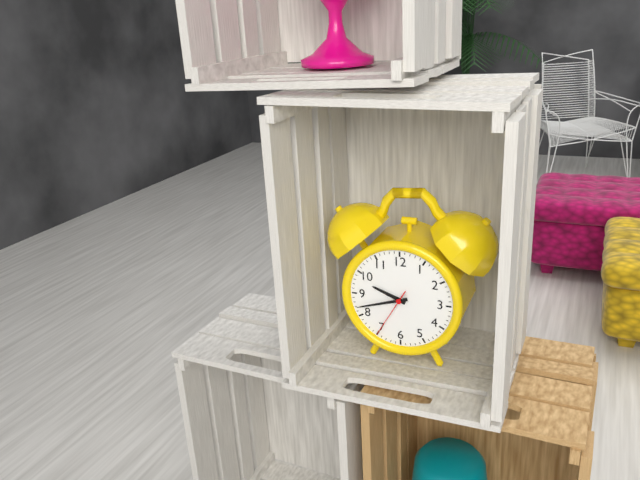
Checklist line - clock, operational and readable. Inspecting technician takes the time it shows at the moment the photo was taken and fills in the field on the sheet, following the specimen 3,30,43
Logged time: 9,42,35
